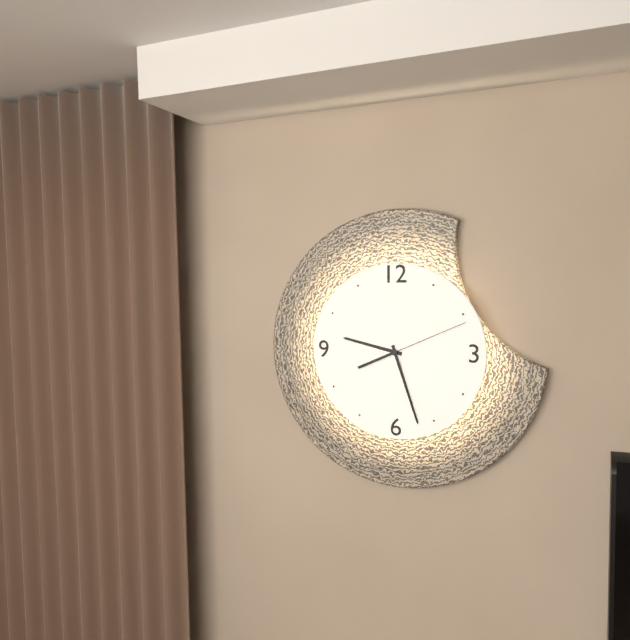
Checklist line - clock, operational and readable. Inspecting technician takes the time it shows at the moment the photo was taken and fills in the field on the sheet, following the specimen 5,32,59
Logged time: 9,27,11
